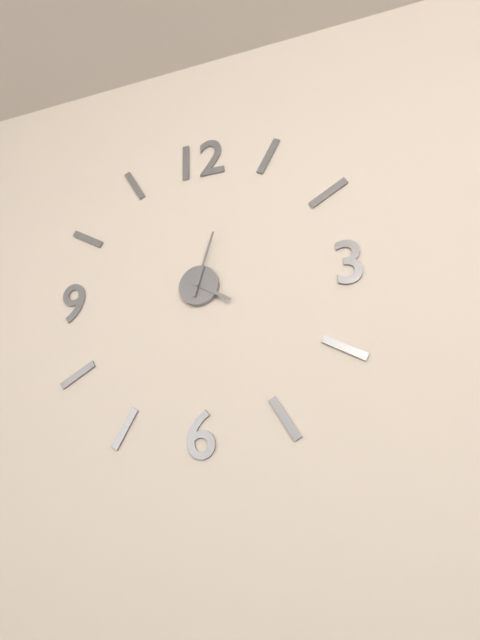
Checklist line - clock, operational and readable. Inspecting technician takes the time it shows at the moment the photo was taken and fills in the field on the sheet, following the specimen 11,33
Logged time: 4,03
